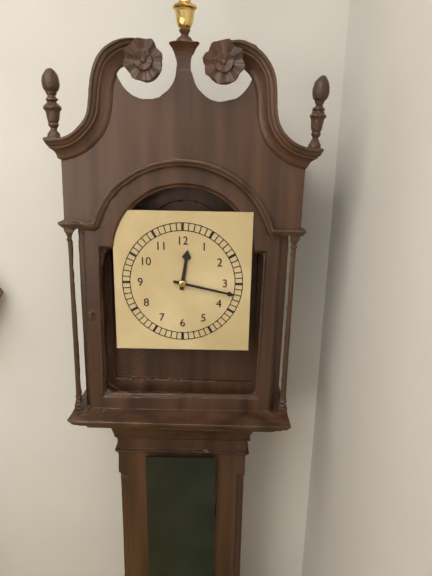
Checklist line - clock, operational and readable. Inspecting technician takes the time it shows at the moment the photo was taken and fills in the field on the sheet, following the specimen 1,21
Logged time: 12,17
